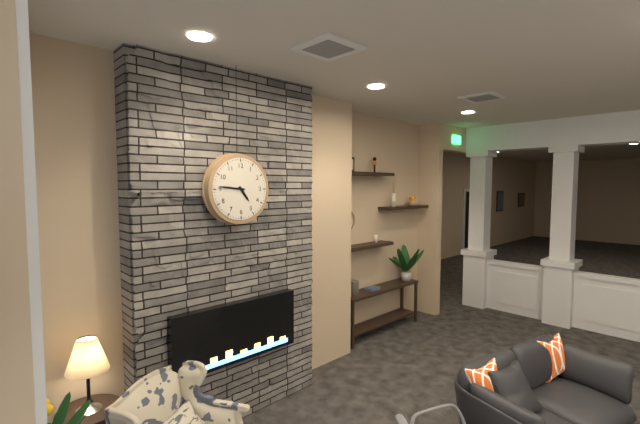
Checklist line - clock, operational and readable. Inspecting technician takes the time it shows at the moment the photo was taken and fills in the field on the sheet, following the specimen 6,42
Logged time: 4,46
